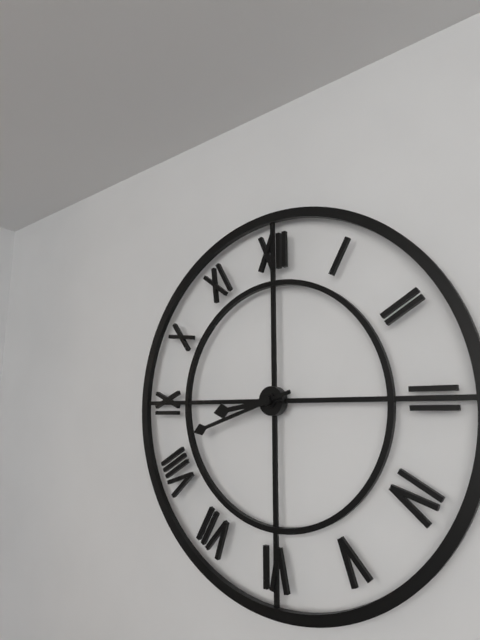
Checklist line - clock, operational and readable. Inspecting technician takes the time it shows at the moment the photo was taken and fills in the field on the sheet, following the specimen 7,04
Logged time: 8,42
